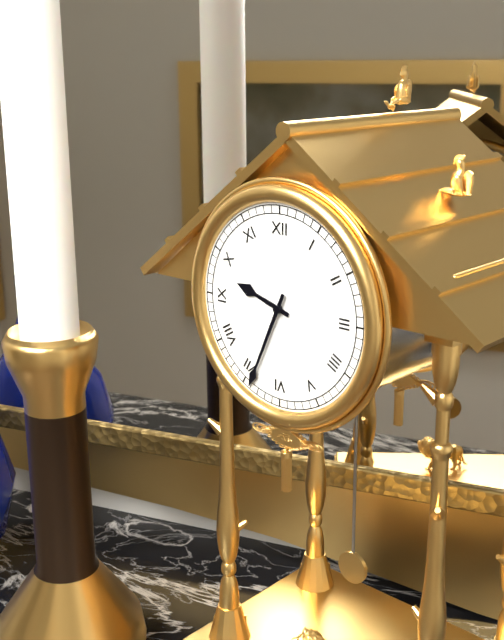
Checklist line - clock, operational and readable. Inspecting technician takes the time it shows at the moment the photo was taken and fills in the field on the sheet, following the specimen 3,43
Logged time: 9,34
